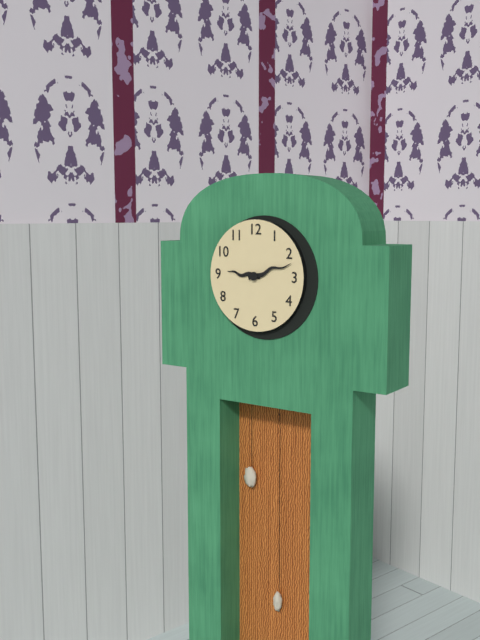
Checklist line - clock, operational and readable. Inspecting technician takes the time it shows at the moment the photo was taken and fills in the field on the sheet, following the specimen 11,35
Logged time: 9,12
